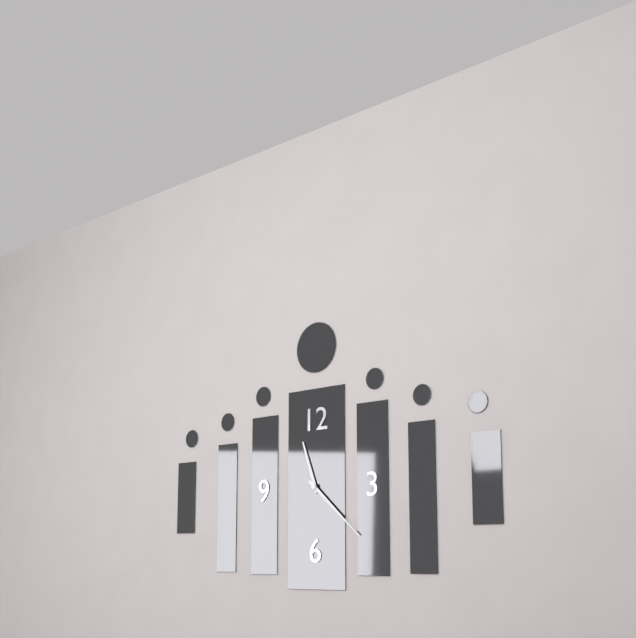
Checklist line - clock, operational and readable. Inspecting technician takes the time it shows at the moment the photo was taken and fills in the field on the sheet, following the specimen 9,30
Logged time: 11,22
